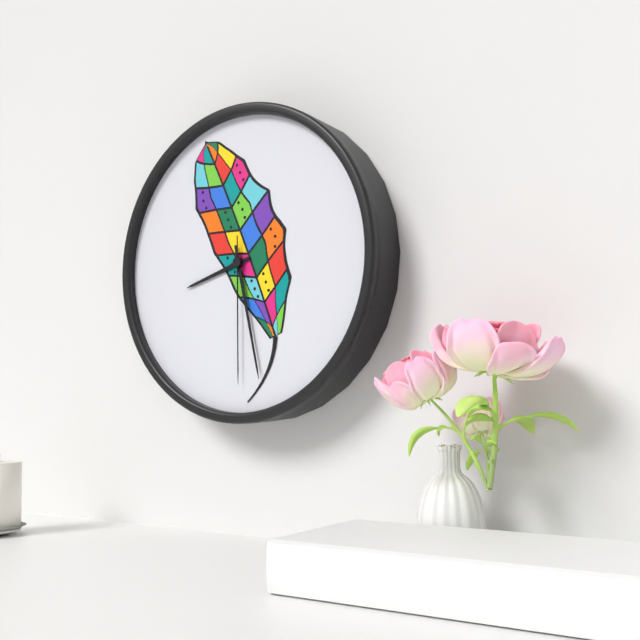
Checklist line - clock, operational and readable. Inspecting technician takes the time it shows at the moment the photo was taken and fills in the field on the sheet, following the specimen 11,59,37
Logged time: 8,28,30
